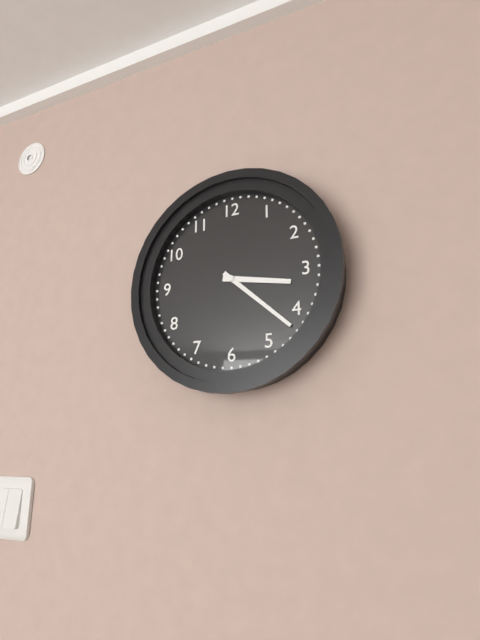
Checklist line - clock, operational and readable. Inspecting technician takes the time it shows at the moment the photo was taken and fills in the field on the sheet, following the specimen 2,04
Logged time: 3,22
